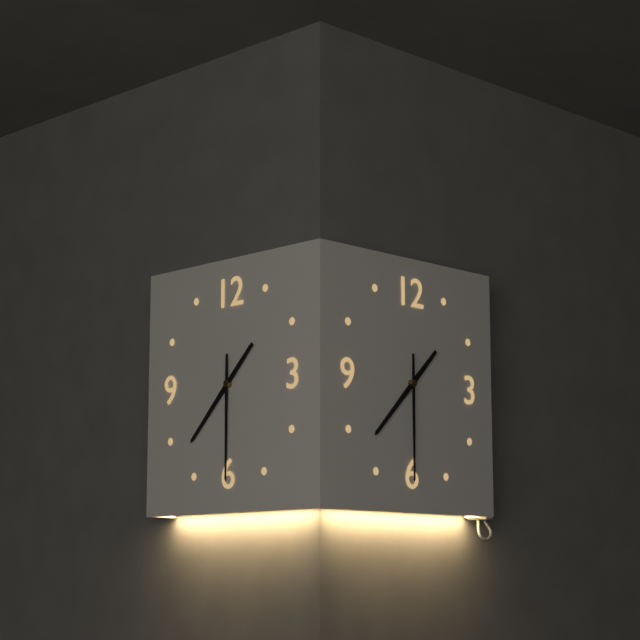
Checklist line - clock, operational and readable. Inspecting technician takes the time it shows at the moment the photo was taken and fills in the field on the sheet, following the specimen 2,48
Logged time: 7,30
